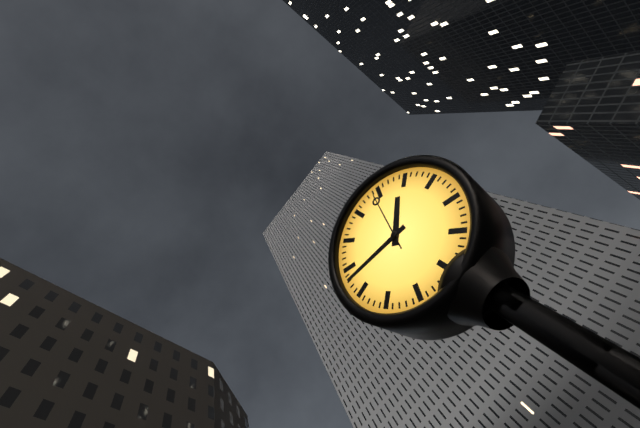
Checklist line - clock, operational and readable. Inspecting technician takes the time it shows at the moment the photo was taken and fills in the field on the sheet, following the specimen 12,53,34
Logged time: 1,48,04
